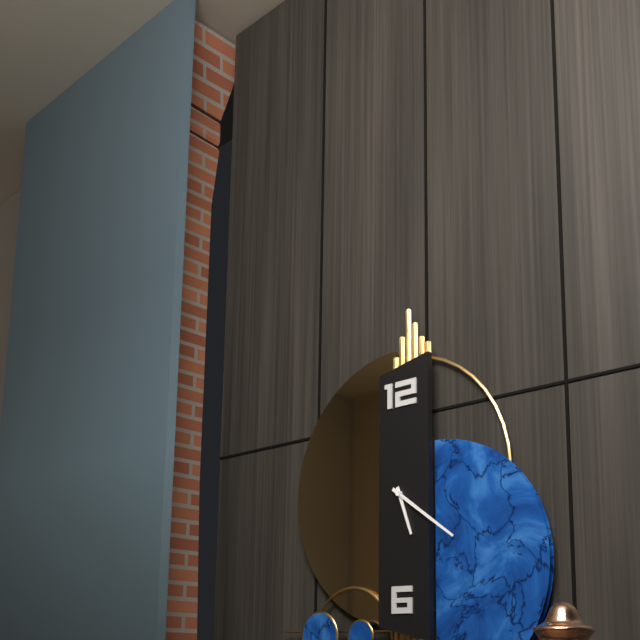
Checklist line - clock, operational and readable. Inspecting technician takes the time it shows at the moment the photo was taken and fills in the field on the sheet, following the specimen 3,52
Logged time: 5,21
